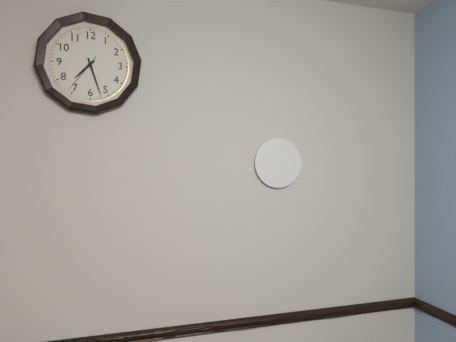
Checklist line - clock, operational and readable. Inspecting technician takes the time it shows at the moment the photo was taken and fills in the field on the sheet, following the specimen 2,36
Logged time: 7,27
